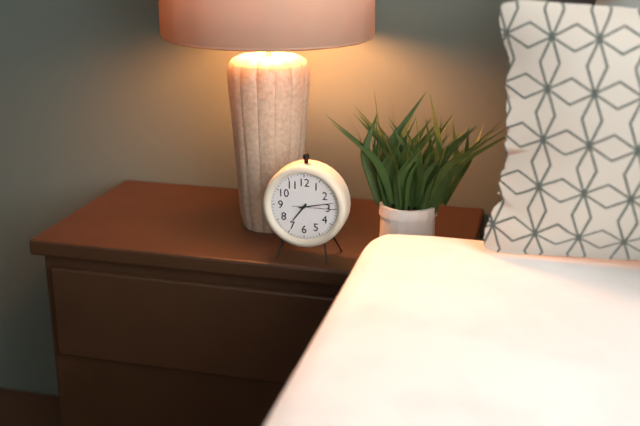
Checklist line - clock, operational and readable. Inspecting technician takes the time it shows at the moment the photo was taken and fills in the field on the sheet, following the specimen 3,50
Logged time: 7,13
